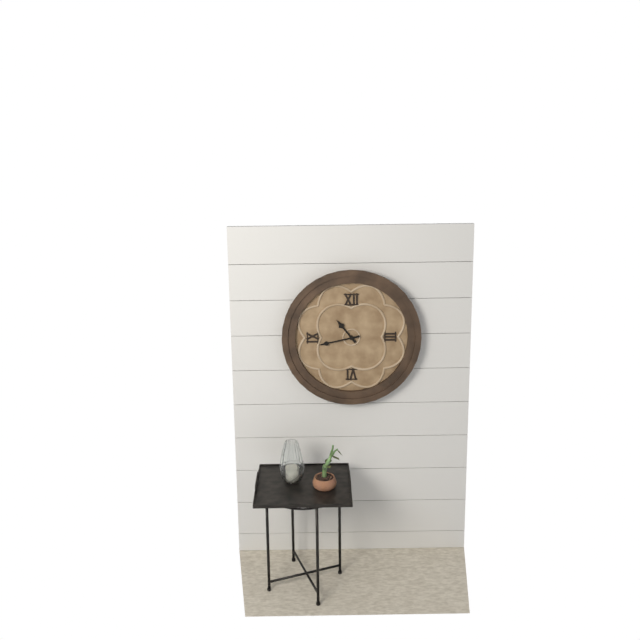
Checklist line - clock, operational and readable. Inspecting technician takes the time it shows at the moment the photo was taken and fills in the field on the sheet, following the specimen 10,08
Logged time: 10,43
